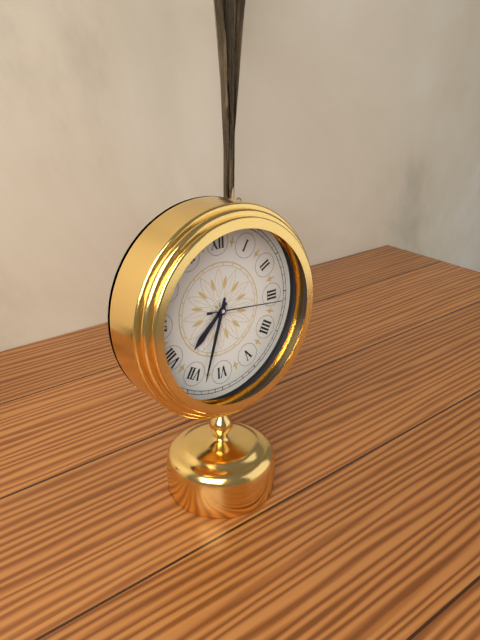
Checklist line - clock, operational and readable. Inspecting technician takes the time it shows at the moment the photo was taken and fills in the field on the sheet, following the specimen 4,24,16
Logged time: 7,33,16
